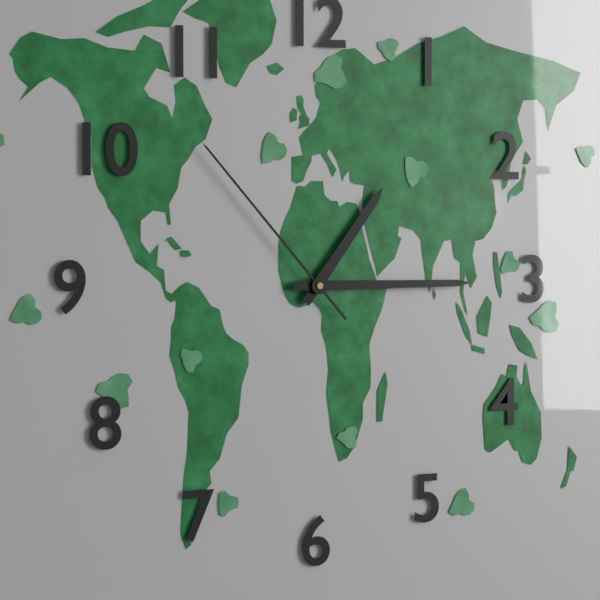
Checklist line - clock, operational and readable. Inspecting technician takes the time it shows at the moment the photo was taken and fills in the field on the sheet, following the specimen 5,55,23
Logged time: 1,15,53
